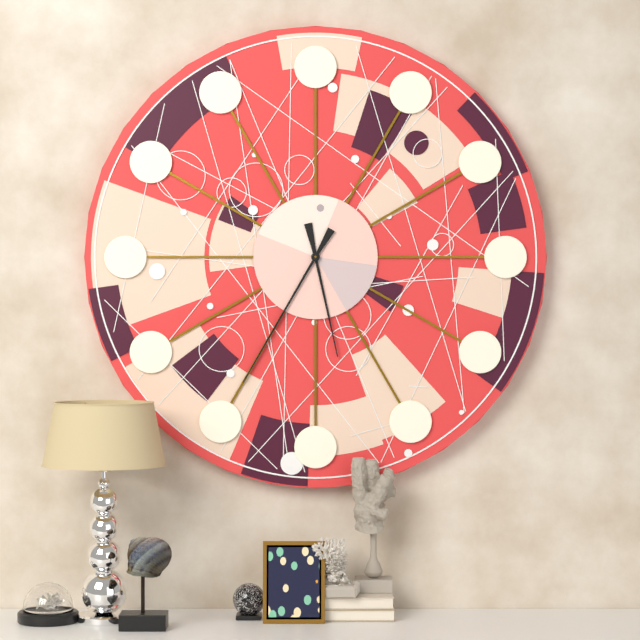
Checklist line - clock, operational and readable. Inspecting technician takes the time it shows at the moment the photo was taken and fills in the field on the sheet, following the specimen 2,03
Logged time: 5,35
